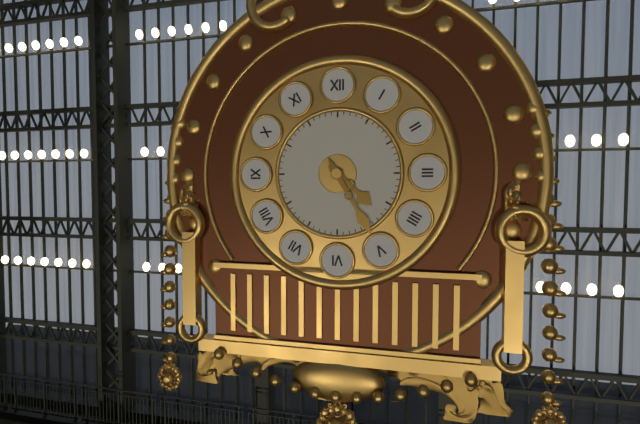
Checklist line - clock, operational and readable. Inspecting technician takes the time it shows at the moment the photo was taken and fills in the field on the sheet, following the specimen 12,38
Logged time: 4,25
